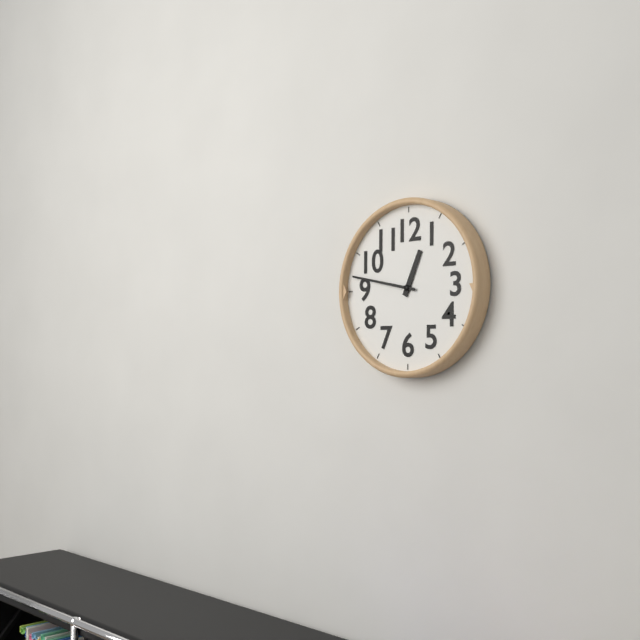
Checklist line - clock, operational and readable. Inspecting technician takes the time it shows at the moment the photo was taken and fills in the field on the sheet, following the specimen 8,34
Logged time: 12,47
